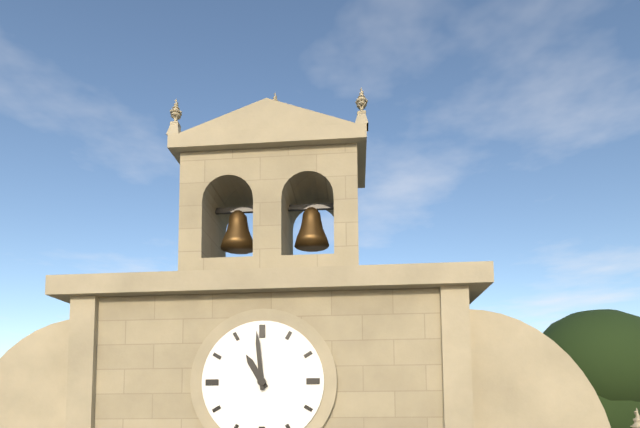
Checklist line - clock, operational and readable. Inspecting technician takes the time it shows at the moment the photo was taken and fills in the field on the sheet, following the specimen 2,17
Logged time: 10,59
